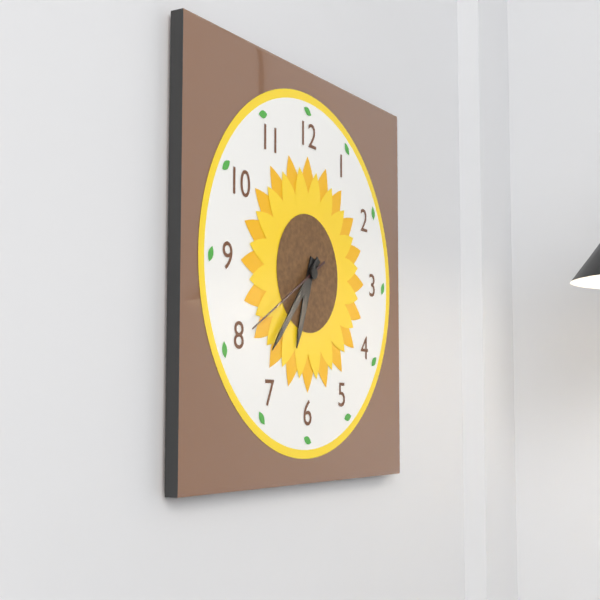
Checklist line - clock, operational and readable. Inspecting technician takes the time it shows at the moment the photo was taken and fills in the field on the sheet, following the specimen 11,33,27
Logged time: 6,37,40
